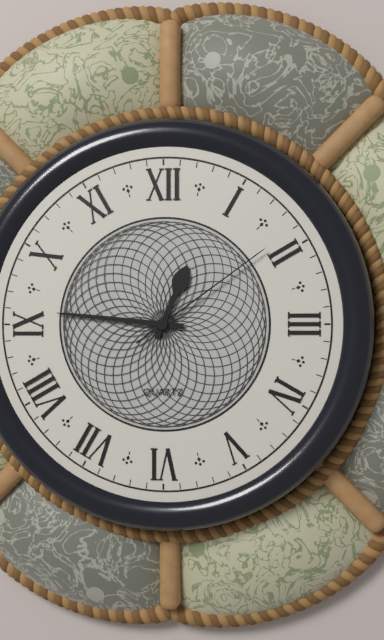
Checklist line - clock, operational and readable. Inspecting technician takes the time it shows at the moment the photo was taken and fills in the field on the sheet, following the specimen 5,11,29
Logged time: 12,46,09
